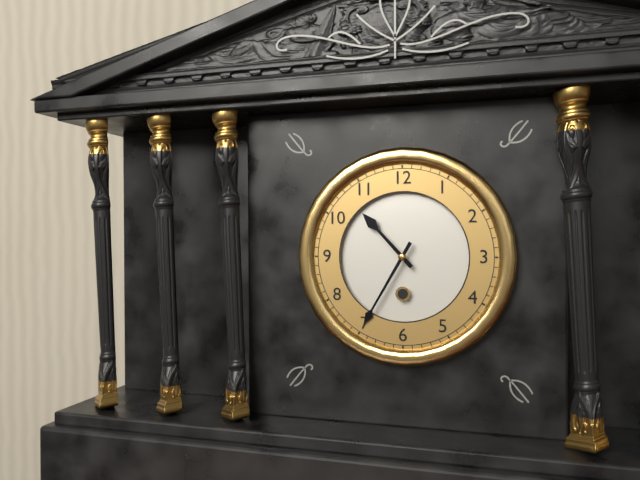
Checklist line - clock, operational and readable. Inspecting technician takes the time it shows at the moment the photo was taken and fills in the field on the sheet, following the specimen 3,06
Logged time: 10,35
